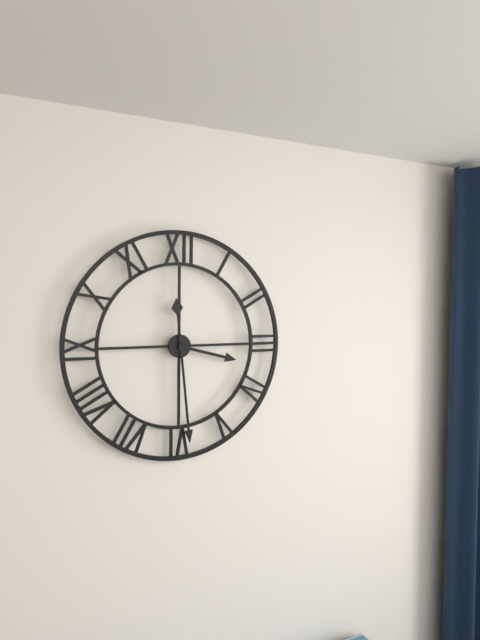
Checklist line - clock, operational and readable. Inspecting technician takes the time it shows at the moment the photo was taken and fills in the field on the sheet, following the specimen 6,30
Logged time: 3,29
